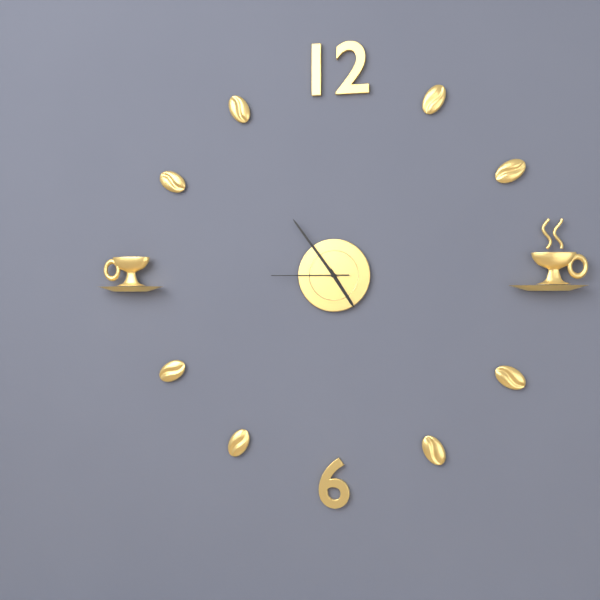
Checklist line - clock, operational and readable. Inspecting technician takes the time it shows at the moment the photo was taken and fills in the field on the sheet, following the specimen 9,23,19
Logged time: 4,54,45
